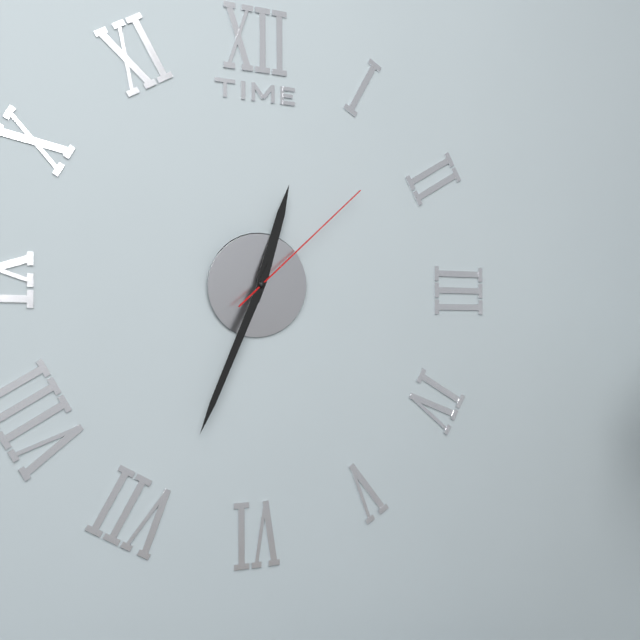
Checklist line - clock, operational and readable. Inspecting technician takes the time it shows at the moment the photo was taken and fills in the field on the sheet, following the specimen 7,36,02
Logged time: 12,34,08
